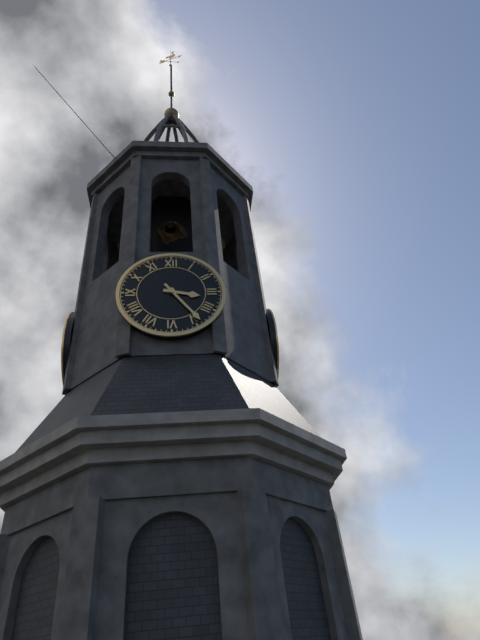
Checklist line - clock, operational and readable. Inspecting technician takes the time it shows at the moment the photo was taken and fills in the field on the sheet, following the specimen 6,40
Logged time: 3,24
